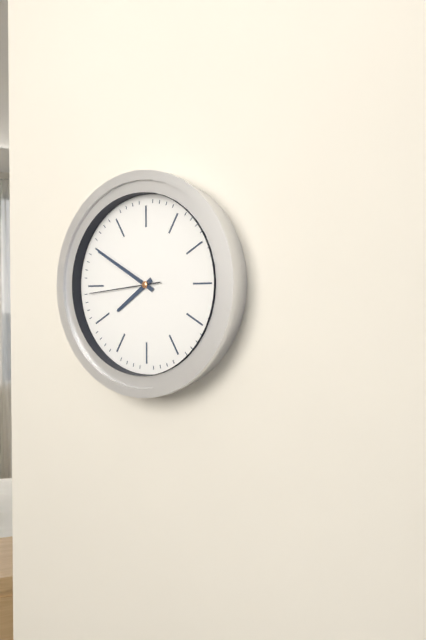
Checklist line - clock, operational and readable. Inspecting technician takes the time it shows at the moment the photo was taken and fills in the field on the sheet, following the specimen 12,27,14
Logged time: 7,50,44
